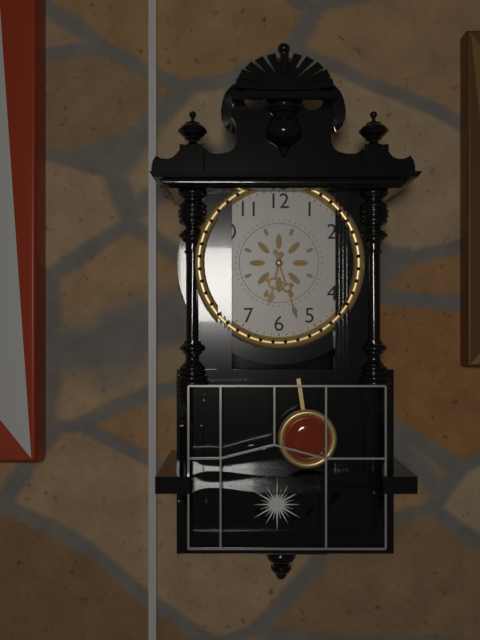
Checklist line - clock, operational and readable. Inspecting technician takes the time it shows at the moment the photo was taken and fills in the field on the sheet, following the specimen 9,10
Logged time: 6,27
